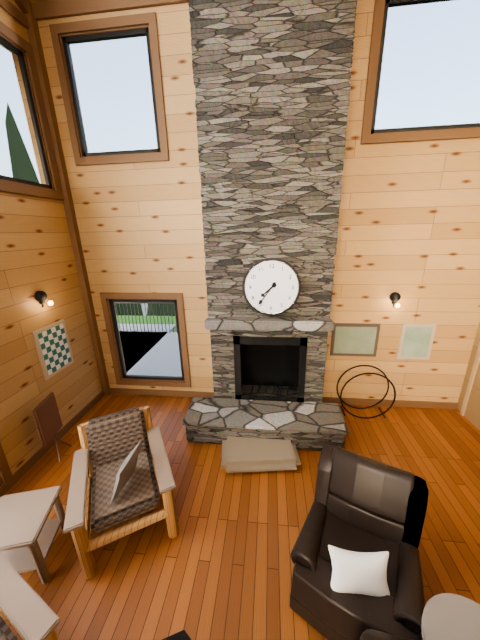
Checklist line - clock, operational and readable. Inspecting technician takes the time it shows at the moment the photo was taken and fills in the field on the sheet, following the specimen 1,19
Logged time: 7,36
